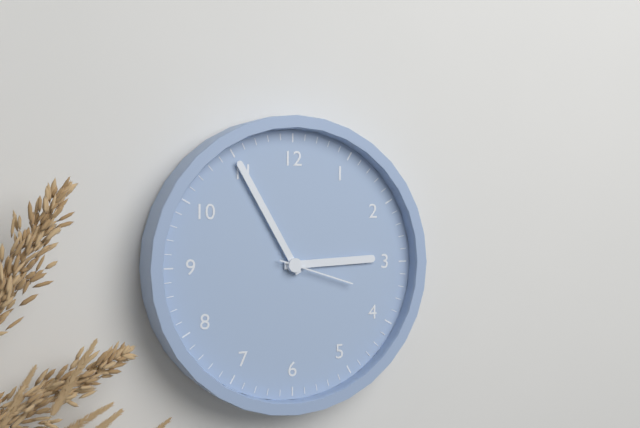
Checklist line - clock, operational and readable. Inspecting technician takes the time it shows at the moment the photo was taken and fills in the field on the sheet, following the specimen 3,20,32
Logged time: 2,55,18
